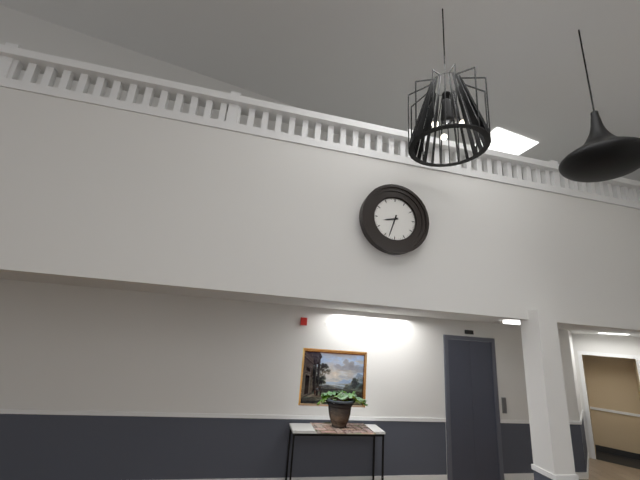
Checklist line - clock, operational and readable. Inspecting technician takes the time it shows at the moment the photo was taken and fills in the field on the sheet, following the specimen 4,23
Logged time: 8,33
